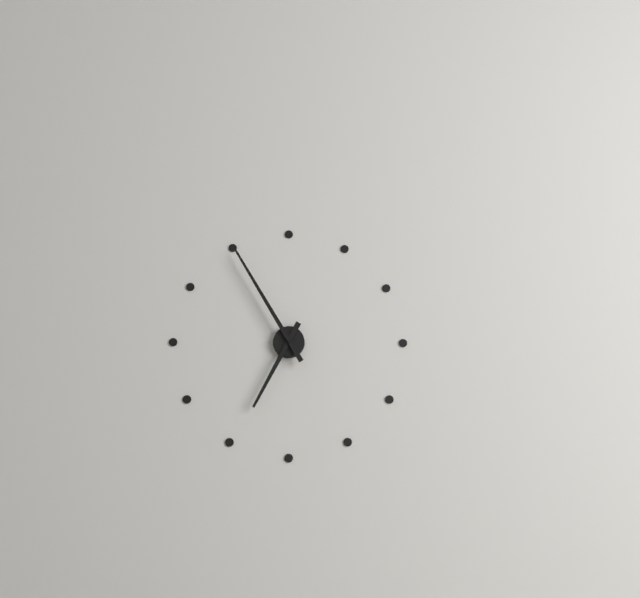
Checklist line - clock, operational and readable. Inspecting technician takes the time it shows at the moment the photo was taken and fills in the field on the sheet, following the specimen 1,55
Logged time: 6,55
